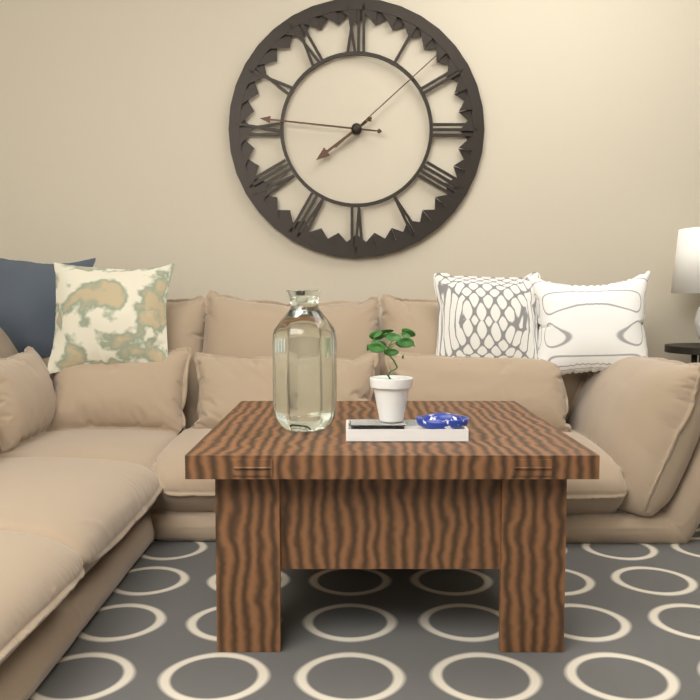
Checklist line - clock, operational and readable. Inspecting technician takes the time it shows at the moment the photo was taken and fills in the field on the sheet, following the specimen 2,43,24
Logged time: 7,46,08
